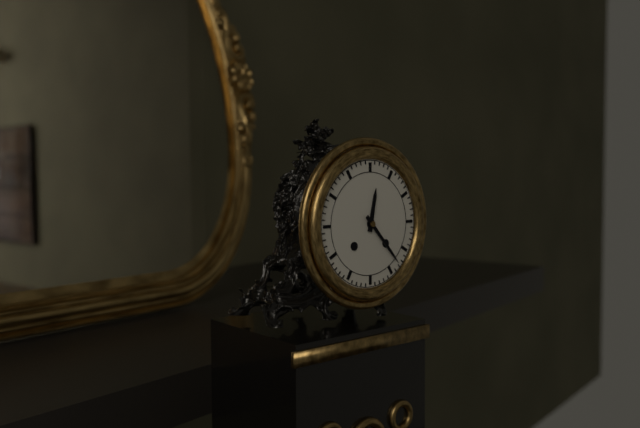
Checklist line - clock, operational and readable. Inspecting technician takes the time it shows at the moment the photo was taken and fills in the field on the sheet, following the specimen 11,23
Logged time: 12,23
